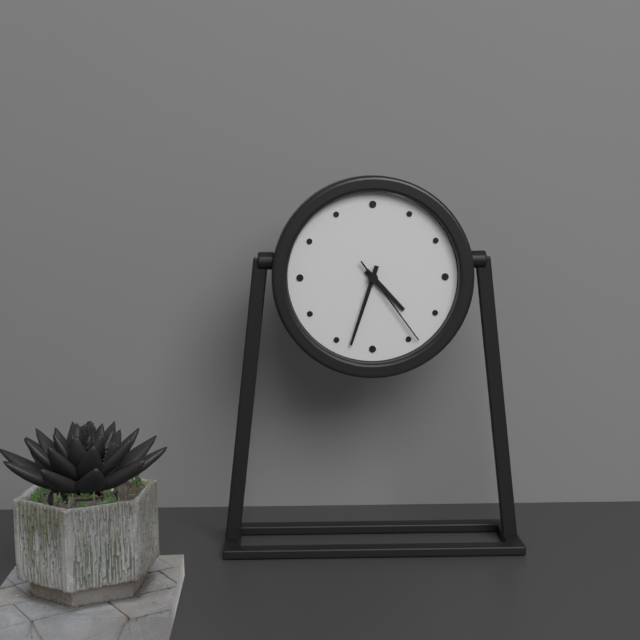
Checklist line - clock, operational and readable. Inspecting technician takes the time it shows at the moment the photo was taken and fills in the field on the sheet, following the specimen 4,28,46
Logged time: 4,33,24
